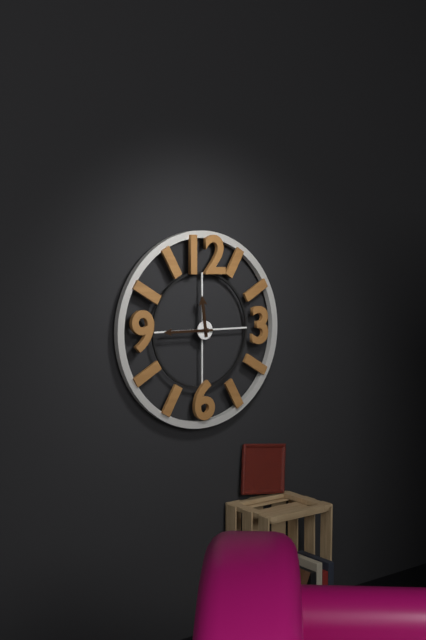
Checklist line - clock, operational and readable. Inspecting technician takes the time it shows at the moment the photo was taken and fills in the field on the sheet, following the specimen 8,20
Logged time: 11,45
